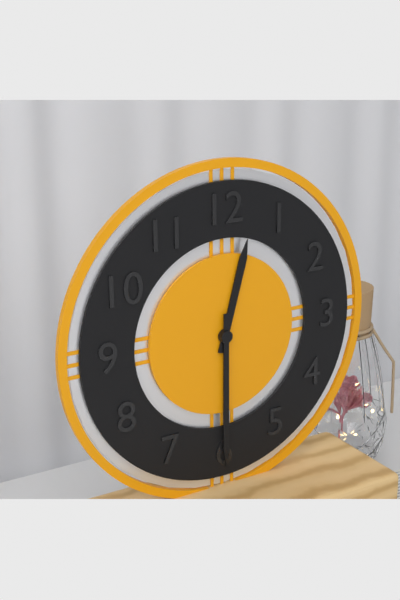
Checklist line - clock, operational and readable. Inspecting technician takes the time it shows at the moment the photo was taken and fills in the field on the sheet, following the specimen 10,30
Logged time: 12,30
